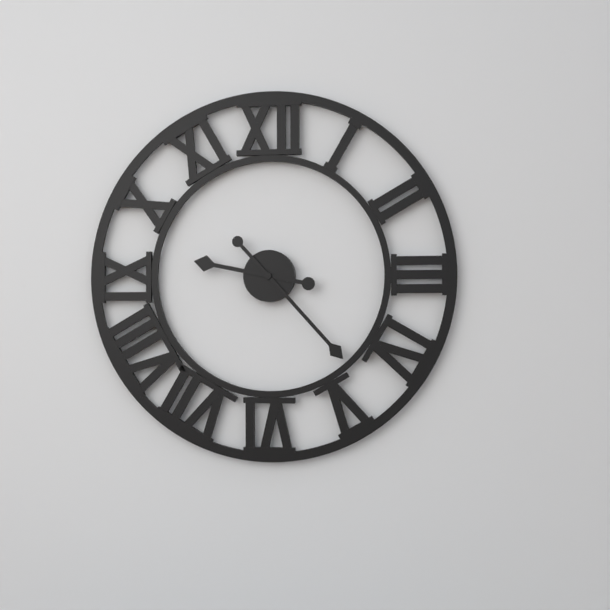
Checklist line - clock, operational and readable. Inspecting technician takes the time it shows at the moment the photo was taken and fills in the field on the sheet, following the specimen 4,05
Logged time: 9,23
